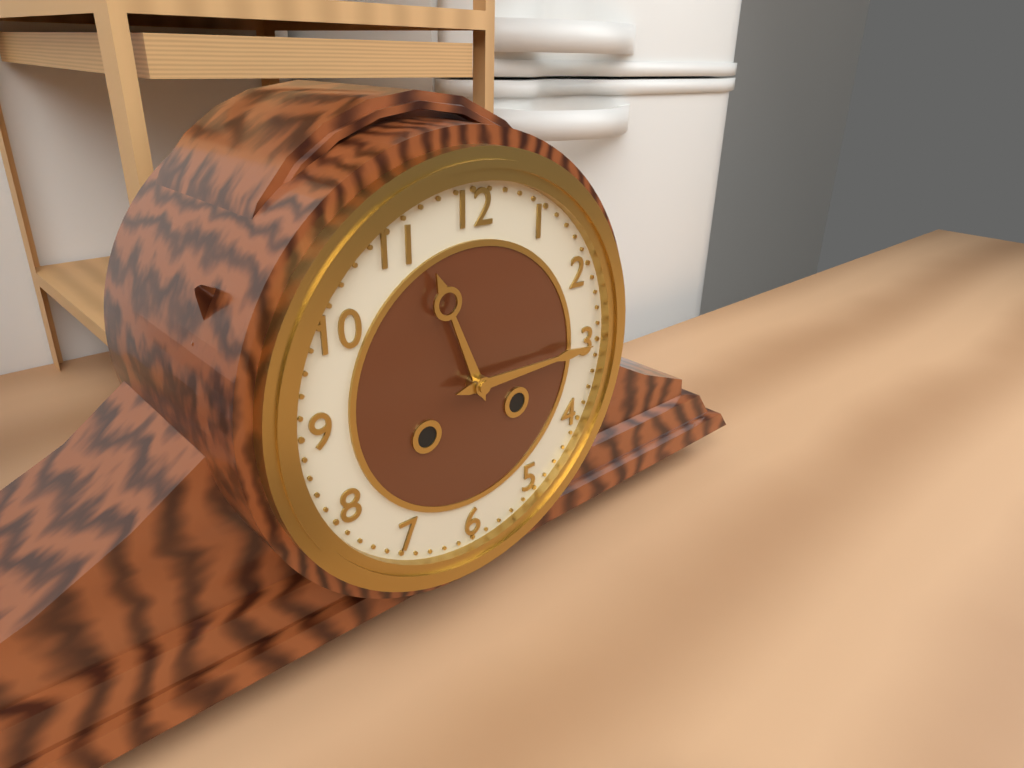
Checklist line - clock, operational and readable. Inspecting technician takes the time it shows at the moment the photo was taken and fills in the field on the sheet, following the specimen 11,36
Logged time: 11,15
